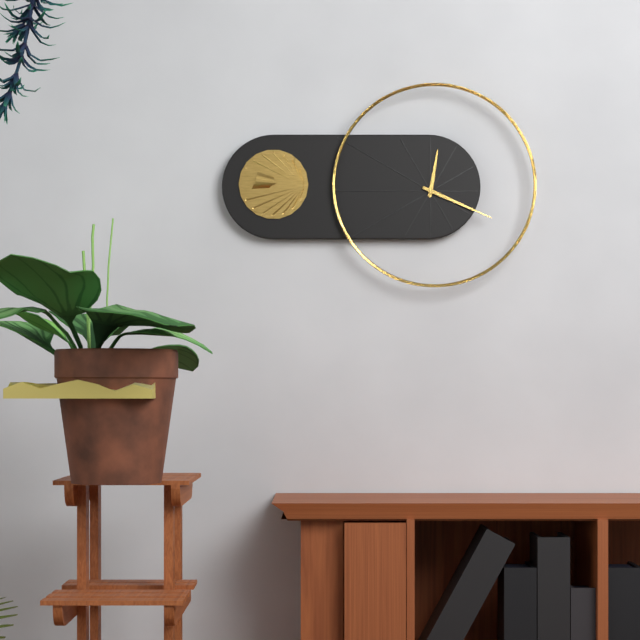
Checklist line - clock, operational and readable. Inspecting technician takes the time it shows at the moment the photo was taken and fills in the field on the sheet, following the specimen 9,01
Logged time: 12,19
